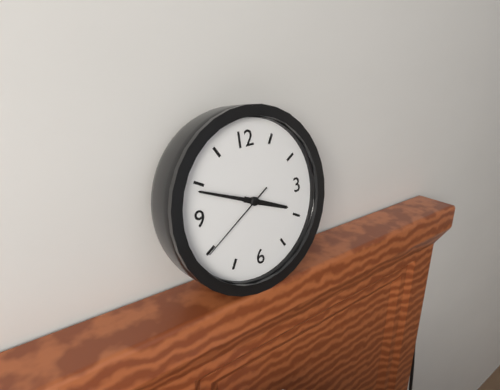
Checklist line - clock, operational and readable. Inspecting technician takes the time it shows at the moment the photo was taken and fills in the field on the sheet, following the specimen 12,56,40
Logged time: 3,49,40
